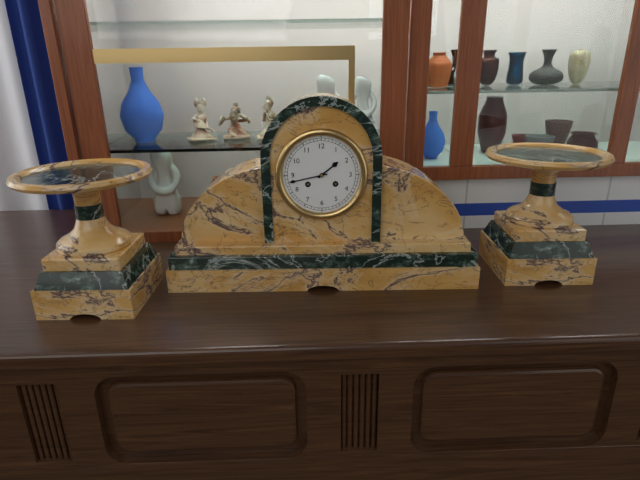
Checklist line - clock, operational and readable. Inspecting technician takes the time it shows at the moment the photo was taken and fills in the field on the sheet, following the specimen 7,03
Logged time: 1,43
